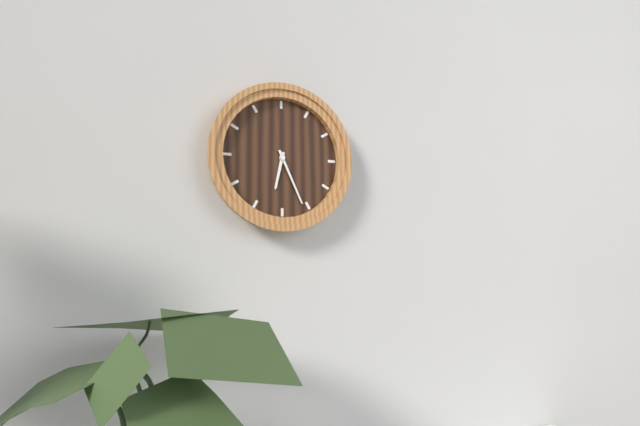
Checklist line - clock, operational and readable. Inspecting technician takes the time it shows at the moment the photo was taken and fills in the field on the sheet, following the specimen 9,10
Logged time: 6,26
